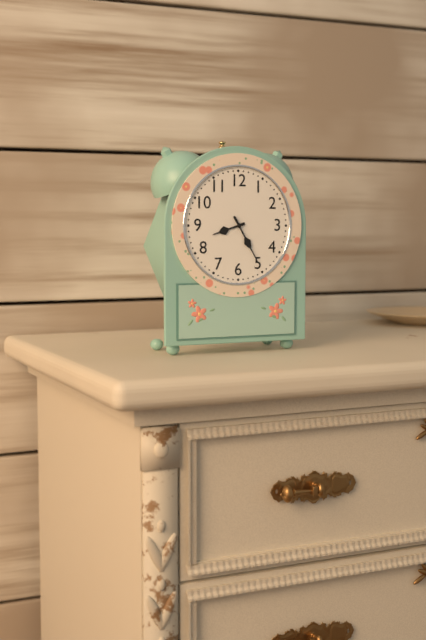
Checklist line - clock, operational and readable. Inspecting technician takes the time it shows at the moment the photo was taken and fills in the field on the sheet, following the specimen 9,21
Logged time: 8,25
